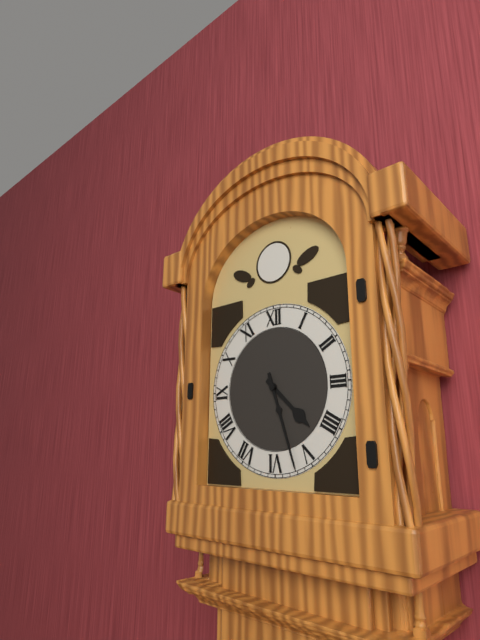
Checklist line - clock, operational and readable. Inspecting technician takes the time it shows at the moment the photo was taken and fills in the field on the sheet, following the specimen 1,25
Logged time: 4,27
